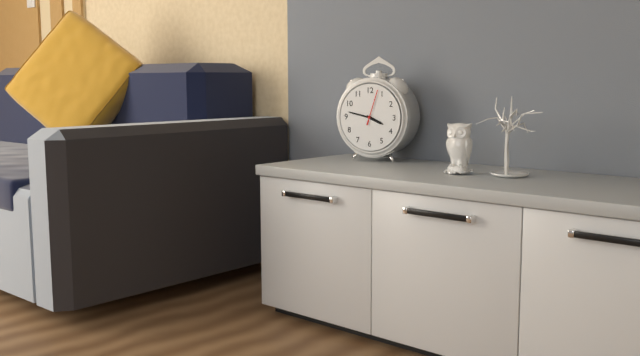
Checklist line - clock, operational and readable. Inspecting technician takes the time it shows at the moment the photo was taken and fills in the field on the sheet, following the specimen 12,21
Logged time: 3,47
